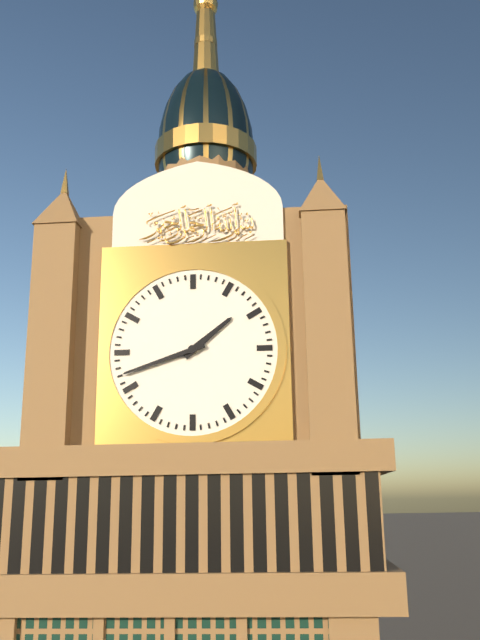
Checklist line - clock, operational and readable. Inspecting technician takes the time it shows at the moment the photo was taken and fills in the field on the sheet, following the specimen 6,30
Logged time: 1,42
